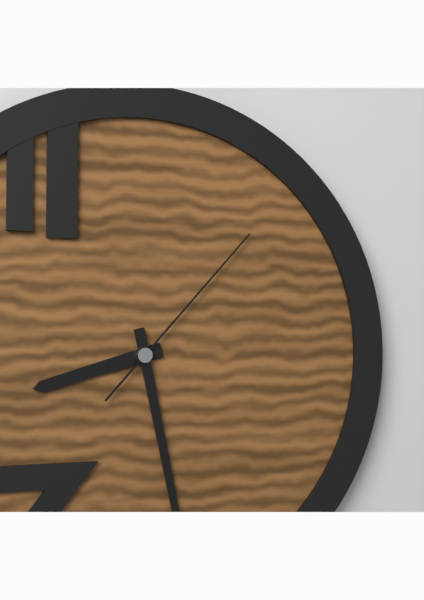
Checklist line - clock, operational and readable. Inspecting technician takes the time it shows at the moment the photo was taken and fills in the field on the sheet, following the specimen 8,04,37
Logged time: 8,28,07
